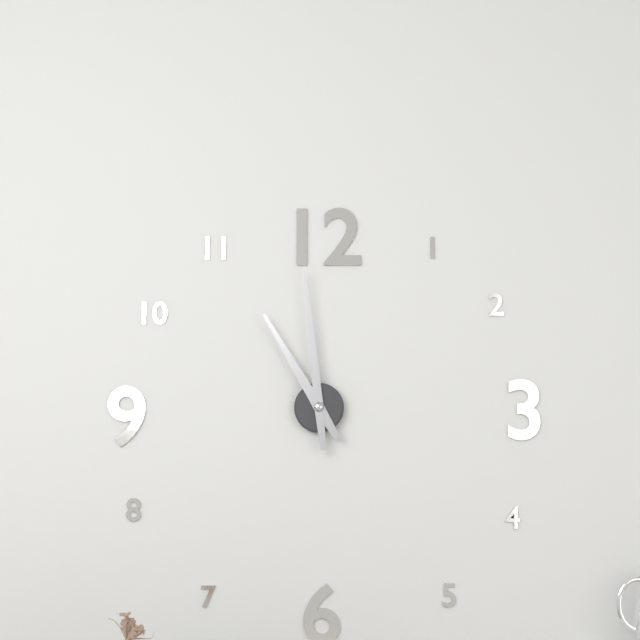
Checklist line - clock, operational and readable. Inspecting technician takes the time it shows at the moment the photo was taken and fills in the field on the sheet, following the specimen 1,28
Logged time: 10,59
